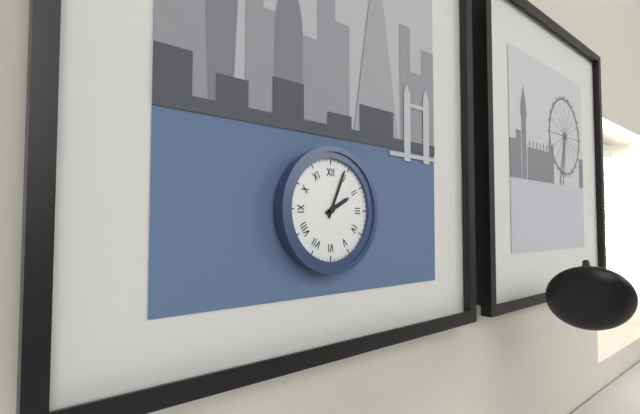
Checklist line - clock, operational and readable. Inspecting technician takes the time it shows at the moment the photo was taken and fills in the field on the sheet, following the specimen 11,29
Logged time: 2,04
